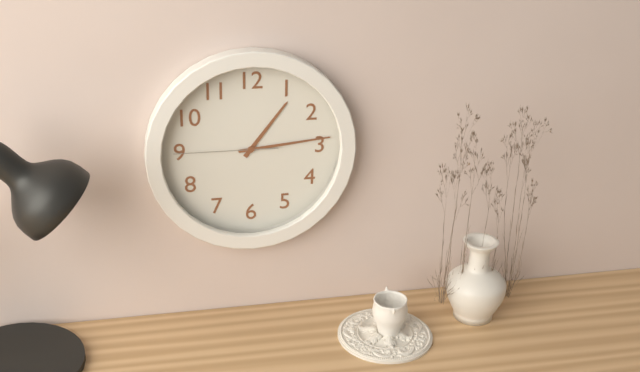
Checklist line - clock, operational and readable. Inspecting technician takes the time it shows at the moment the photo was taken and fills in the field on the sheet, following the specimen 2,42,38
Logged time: 1,14,45
